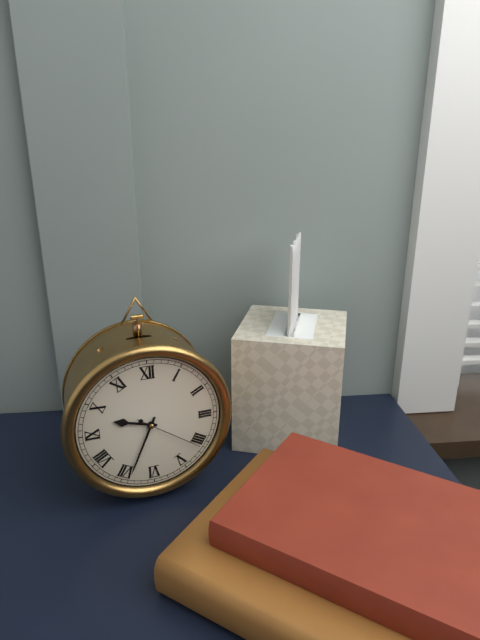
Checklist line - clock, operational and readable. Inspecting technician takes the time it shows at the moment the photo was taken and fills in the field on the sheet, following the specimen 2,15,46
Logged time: 9,34,21
